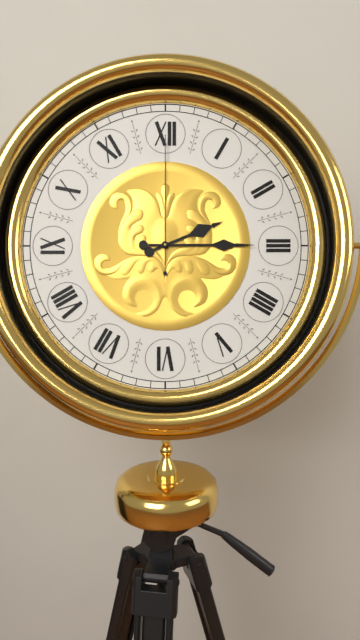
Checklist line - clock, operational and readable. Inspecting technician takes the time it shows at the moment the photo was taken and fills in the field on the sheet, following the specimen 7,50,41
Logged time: 2,15,00
